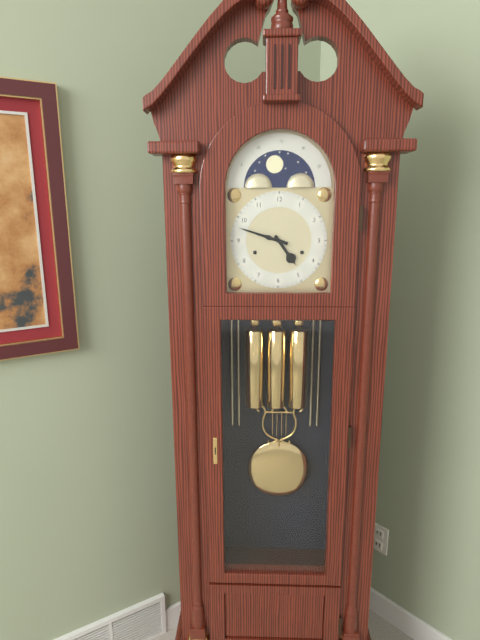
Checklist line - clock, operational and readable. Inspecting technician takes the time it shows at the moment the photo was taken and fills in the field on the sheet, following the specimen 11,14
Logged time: 4,48
